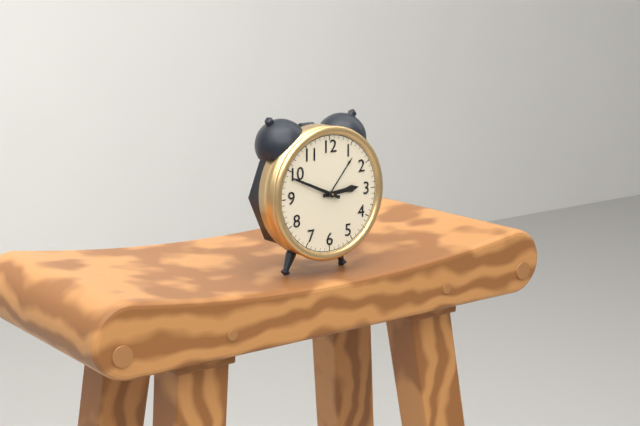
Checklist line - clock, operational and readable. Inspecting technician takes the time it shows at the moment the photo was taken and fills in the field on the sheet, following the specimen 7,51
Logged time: 2,49
